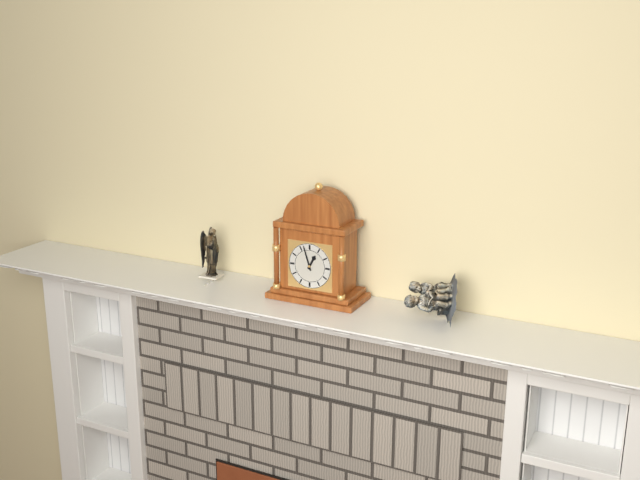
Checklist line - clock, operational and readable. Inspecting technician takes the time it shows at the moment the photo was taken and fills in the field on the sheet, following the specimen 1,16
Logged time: 12,57
